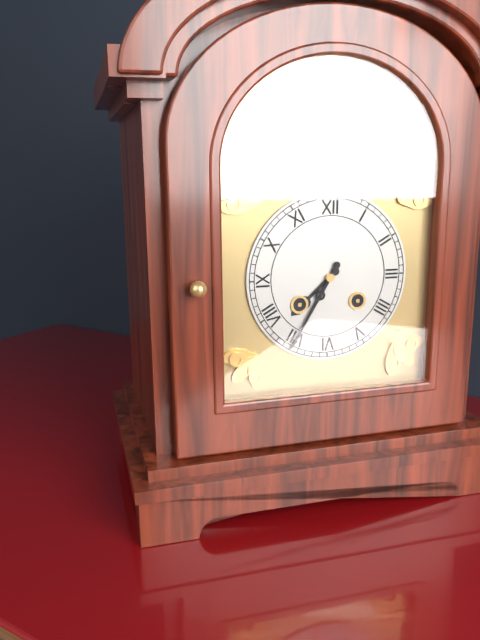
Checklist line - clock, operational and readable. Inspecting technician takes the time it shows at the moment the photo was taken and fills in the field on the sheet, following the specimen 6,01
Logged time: 7,35
